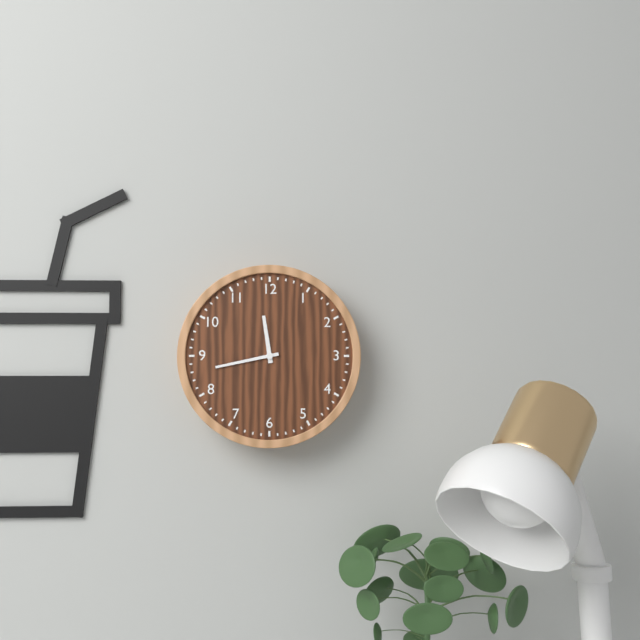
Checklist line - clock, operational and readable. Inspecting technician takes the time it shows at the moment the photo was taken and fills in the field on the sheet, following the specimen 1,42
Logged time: 11,43
